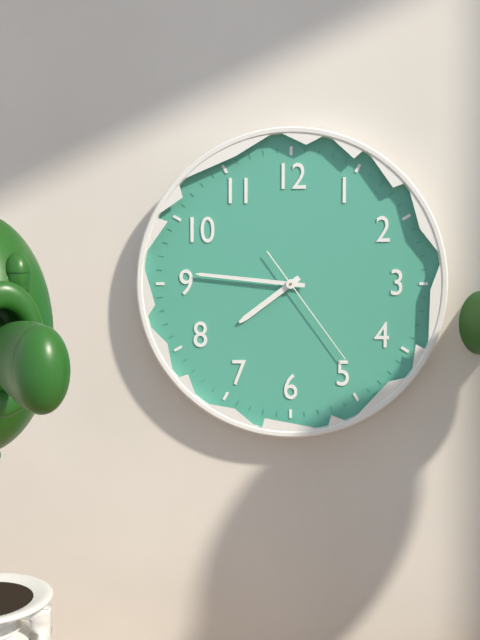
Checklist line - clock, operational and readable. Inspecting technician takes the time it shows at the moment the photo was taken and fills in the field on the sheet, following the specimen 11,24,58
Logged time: 7,46,24
